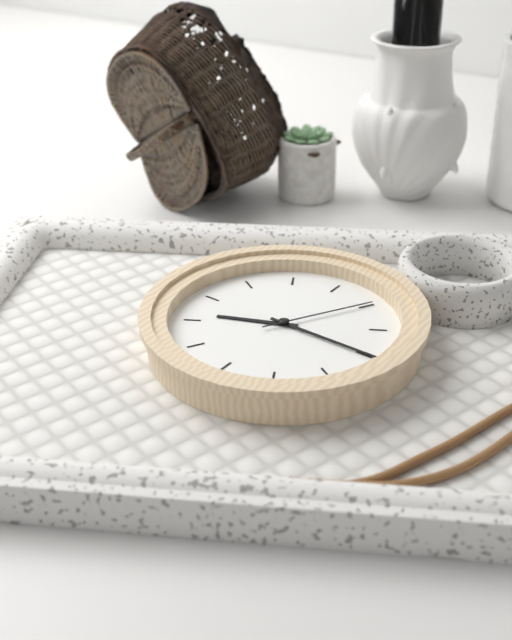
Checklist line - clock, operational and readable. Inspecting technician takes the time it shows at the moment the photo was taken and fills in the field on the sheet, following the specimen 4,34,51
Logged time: 8,15,05
